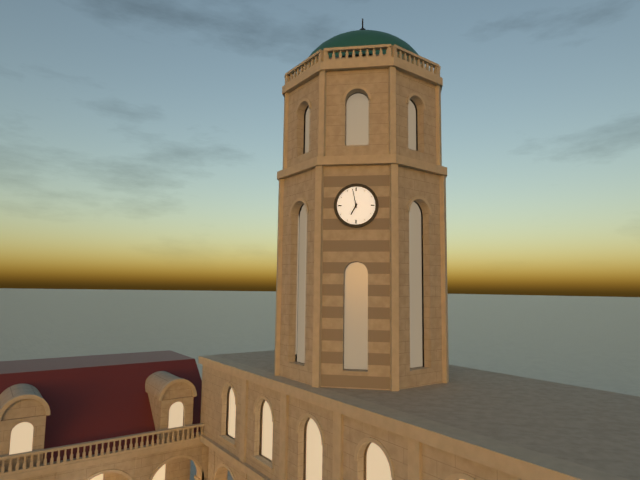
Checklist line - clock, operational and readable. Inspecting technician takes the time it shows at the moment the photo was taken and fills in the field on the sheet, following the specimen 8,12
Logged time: 6,58
